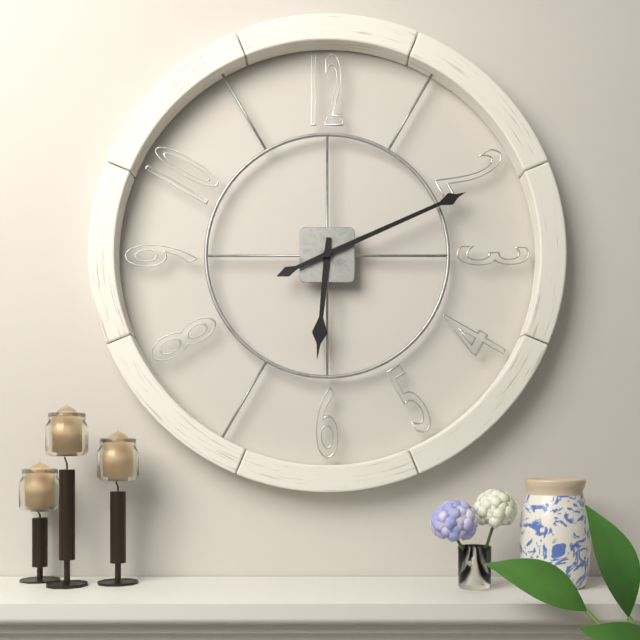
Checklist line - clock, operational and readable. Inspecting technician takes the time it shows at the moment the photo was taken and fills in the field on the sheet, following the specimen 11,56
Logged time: 6,11
